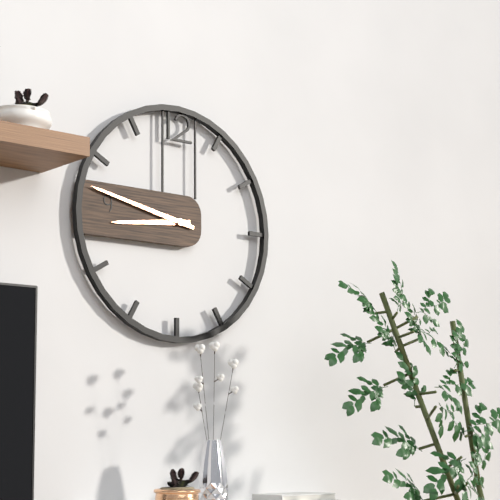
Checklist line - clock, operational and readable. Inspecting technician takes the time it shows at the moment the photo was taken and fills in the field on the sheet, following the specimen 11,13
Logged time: 8,47
